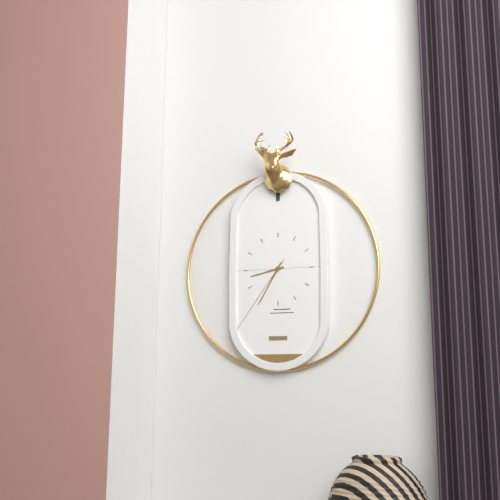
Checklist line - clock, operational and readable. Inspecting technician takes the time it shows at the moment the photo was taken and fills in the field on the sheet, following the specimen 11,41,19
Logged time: 8,35,36
